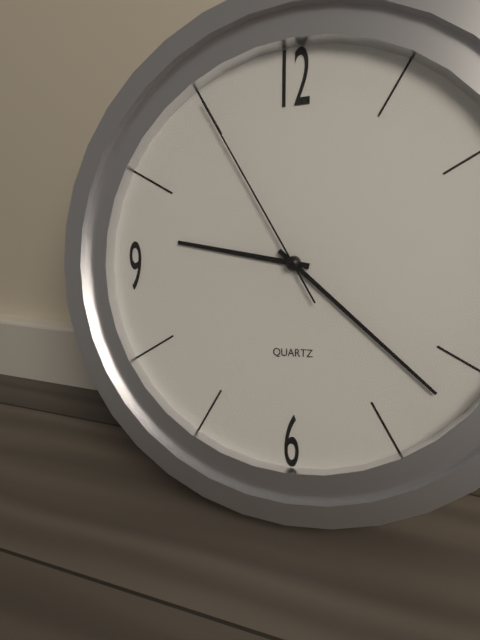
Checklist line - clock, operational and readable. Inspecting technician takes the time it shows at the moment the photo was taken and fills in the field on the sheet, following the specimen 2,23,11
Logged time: 9,22,55
